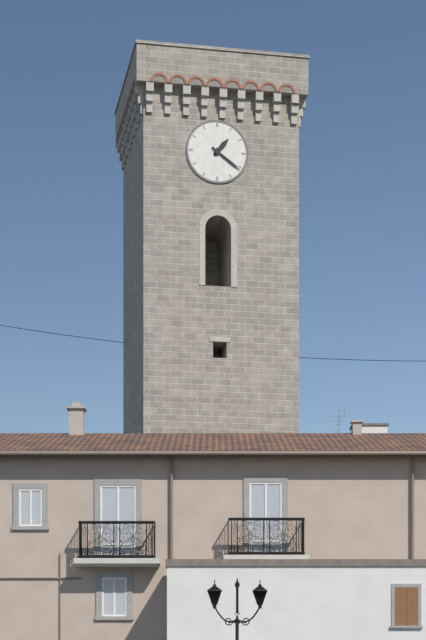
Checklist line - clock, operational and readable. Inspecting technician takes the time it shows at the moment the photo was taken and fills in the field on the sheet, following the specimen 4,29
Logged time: 1,21
